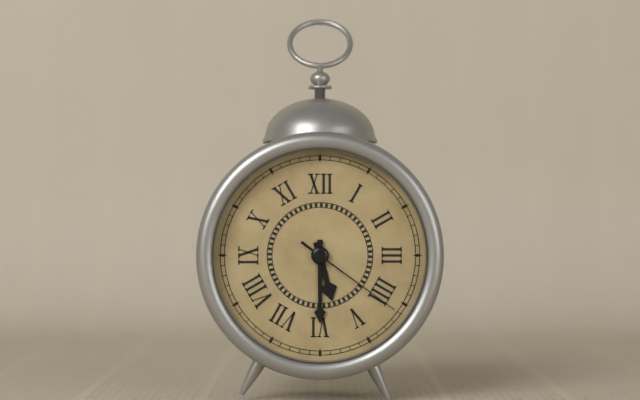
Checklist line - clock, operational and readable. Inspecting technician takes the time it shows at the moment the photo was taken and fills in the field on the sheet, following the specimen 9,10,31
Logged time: 5,30,21
